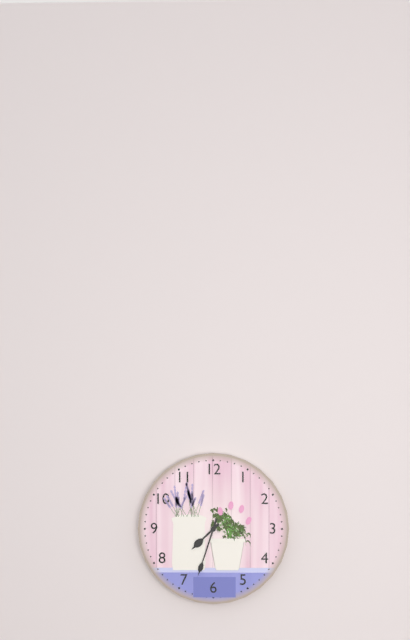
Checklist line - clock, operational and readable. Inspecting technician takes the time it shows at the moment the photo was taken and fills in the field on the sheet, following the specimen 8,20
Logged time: 7,33
